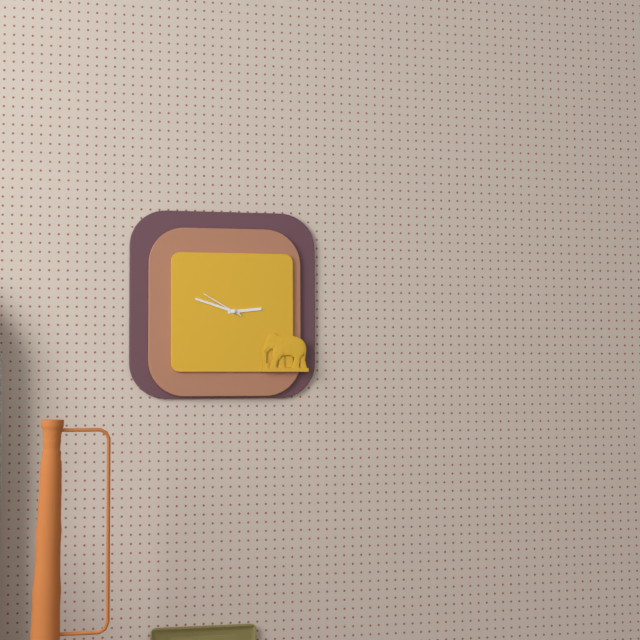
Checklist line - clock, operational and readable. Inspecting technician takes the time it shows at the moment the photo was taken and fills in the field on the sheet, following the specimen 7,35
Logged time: 2,48
